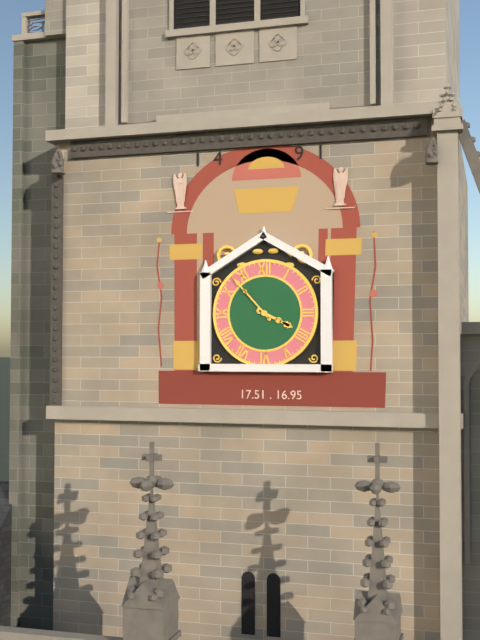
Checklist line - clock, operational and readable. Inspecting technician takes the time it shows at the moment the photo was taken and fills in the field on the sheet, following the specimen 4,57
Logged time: 3,53
